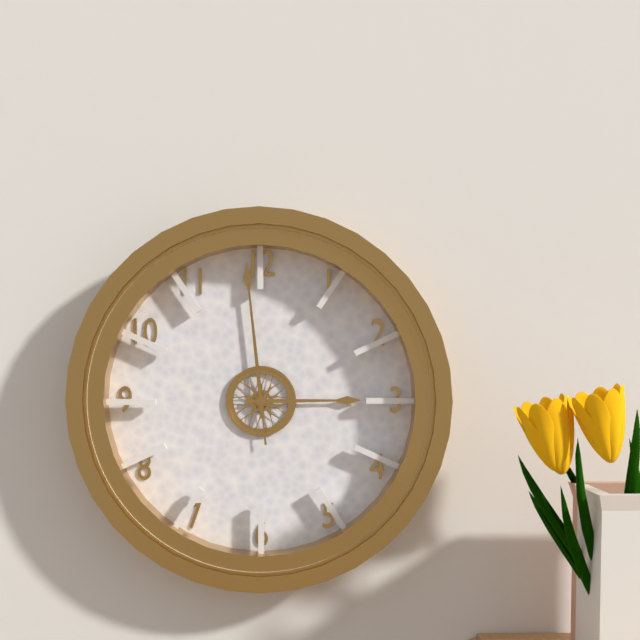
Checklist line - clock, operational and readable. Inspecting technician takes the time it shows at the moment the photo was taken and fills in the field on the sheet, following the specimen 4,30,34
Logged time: 2,59,59
